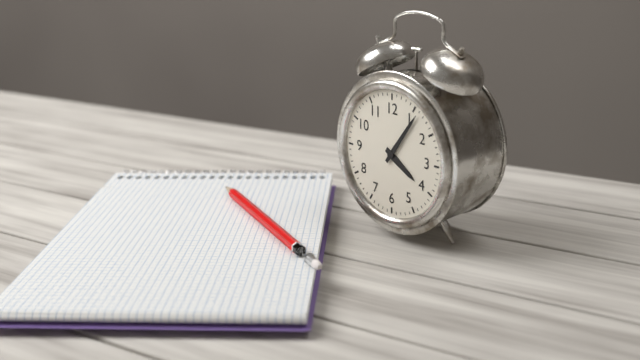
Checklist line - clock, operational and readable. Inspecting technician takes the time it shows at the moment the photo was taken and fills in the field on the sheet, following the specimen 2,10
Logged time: 4,06
